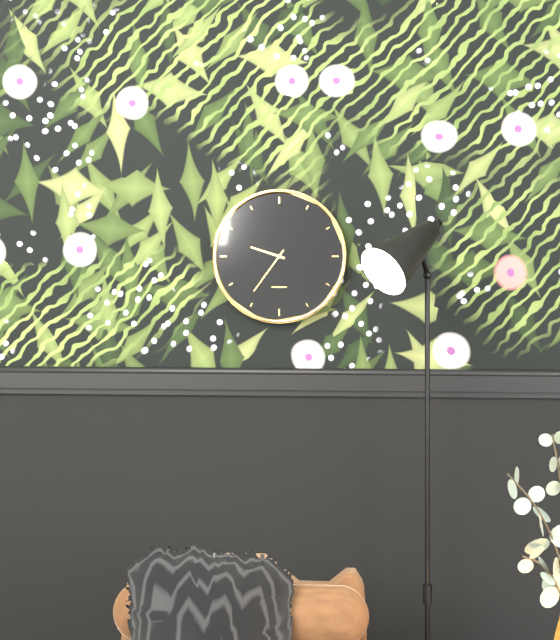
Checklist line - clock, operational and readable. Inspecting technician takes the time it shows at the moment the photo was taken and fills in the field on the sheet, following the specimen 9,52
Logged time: 9,36
